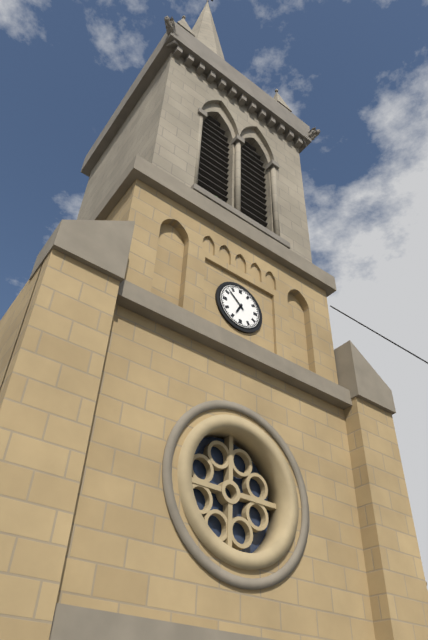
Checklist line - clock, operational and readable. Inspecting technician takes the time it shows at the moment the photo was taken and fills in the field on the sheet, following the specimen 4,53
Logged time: 6,52
